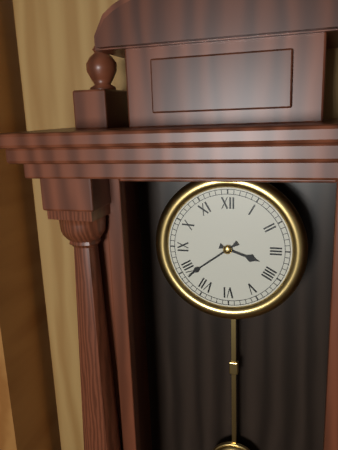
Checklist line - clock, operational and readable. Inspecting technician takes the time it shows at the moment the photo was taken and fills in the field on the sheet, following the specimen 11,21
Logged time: 3,39
